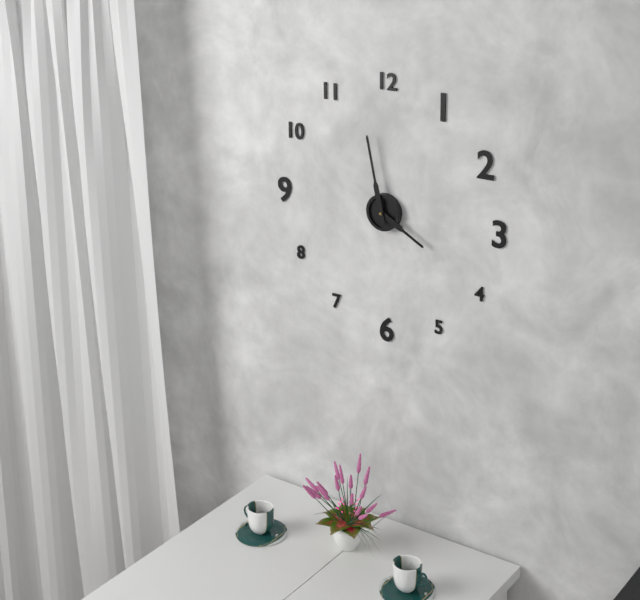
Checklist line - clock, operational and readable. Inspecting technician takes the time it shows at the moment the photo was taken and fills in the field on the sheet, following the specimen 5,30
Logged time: 3,58
